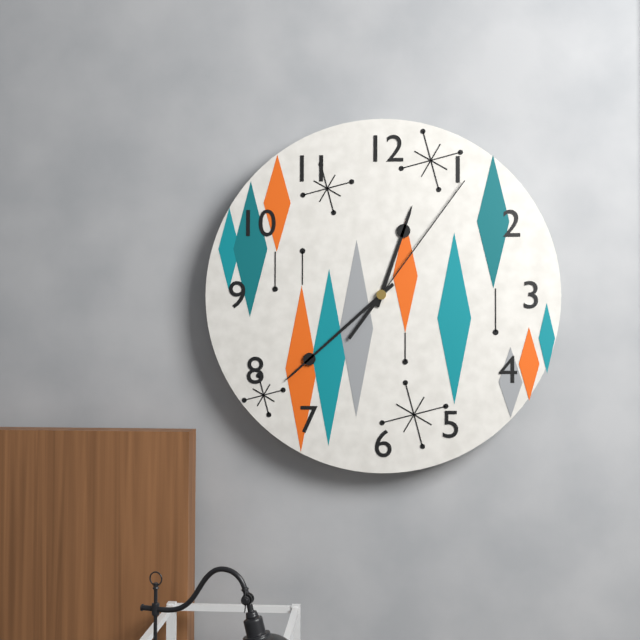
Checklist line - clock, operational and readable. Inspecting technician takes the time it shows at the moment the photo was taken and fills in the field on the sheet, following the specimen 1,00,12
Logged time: 12,38,06
